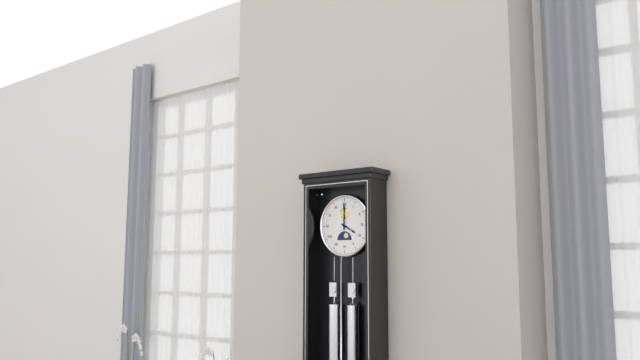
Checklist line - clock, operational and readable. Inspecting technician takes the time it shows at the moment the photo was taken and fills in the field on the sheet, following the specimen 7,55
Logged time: 4,00
